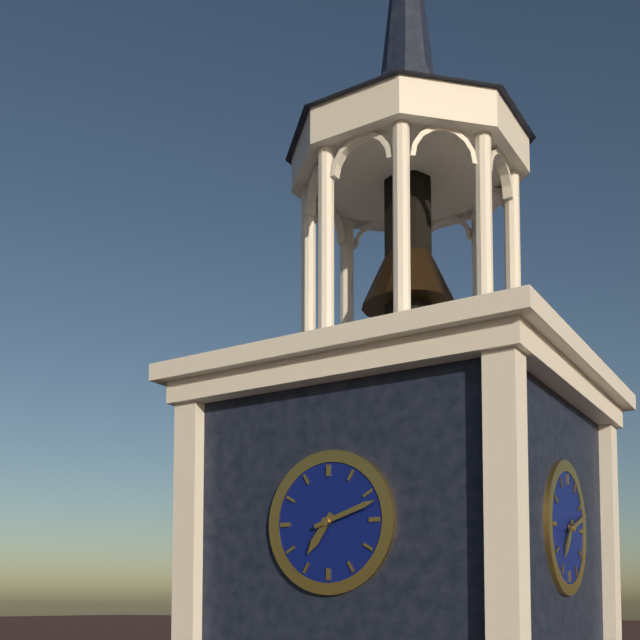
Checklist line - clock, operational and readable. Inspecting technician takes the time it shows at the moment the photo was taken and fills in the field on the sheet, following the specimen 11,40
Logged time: 7,12
